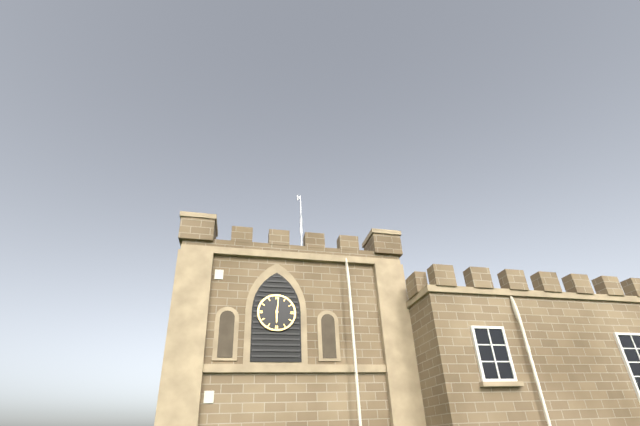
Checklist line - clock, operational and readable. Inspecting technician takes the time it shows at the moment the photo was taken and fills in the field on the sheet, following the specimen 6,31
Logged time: 6,01
